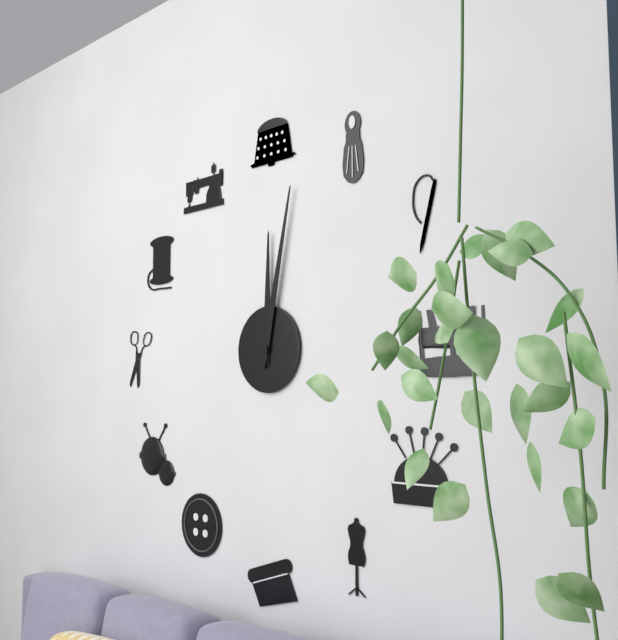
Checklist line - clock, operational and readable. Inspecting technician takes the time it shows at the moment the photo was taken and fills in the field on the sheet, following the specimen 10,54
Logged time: 12,02
